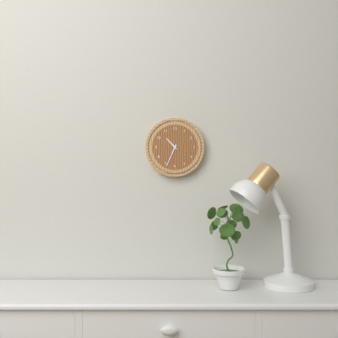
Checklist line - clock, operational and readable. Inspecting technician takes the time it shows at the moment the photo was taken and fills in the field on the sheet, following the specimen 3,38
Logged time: 10,34
